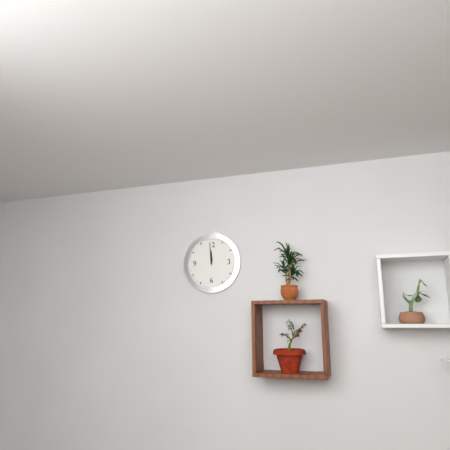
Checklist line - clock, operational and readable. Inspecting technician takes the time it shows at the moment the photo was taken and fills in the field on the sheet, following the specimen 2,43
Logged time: 11,59
